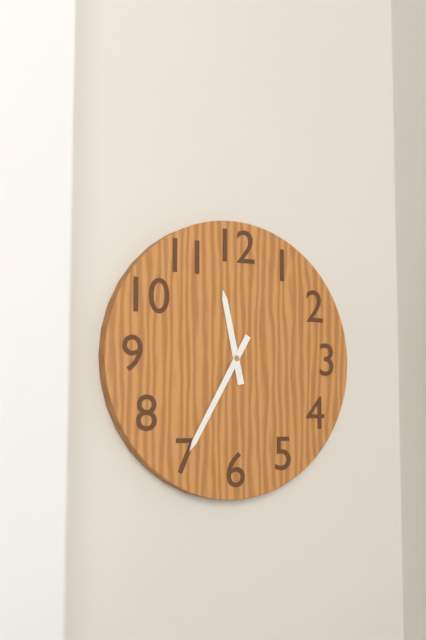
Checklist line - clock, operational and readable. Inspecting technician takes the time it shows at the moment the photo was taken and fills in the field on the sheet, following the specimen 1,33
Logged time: 11,35
